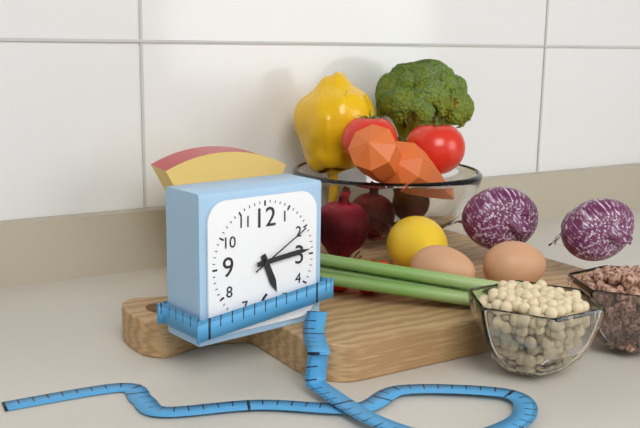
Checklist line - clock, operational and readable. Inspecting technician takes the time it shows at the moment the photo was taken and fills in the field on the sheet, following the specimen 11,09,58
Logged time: 5,14,10
